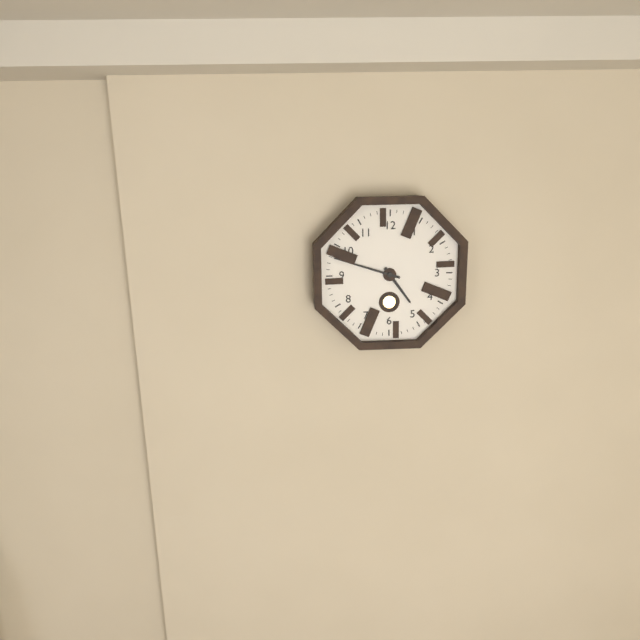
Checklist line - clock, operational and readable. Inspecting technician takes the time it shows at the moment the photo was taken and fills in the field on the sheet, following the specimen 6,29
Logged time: 4,48
